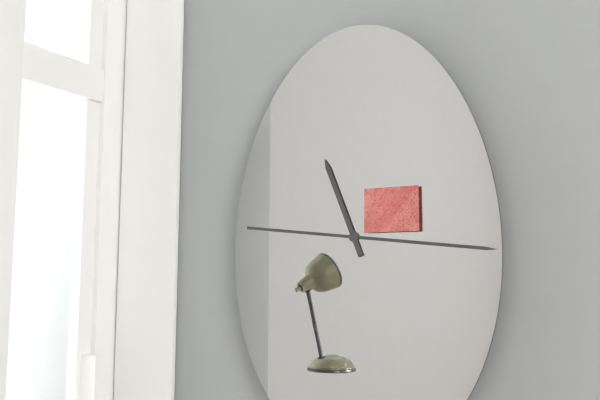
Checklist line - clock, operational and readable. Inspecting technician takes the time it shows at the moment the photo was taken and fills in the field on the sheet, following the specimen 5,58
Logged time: 11,16
